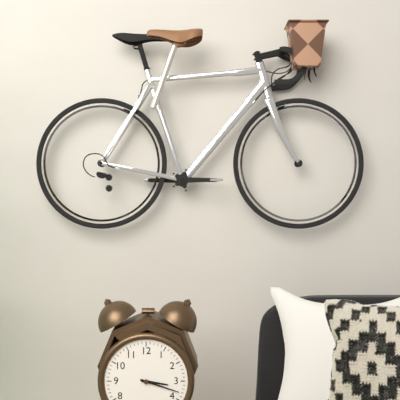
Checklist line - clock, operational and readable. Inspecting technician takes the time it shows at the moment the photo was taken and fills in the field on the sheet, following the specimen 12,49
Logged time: 3,18
